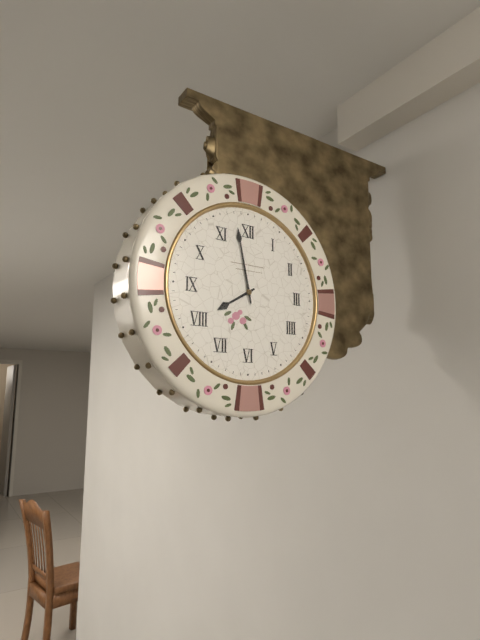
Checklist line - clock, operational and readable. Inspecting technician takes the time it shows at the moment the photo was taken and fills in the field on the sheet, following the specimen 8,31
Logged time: 7,58
